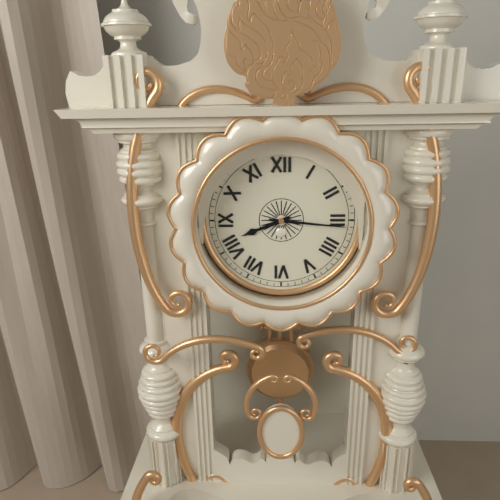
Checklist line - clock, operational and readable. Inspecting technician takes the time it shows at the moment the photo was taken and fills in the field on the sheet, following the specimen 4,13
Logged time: 8,16
